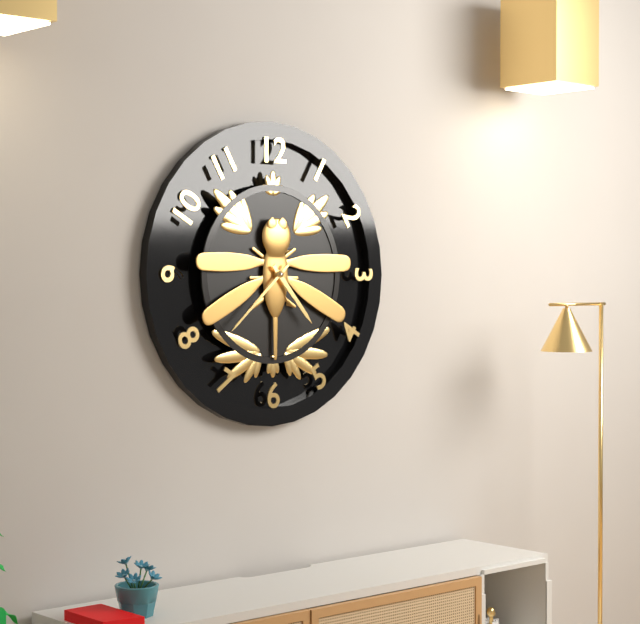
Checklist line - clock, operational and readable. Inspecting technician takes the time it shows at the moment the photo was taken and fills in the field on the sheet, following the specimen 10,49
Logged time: 4,38
